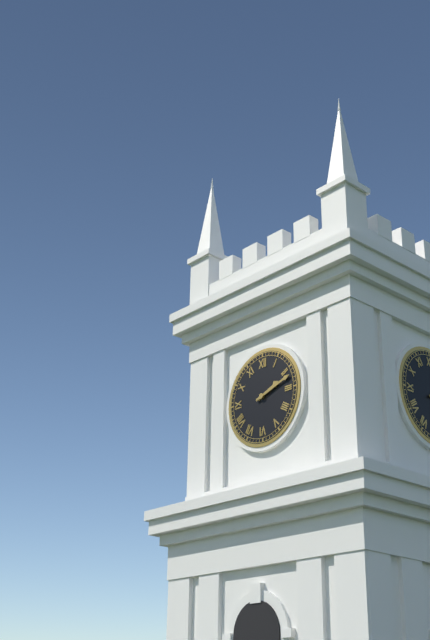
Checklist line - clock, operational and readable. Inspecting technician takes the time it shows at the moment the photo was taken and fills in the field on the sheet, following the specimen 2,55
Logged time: 2,12
